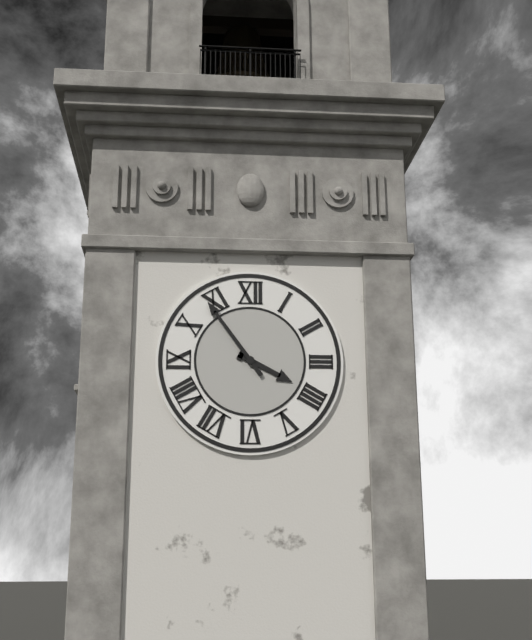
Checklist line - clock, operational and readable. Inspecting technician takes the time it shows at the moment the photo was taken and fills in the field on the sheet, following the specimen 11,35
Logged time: 3,54
